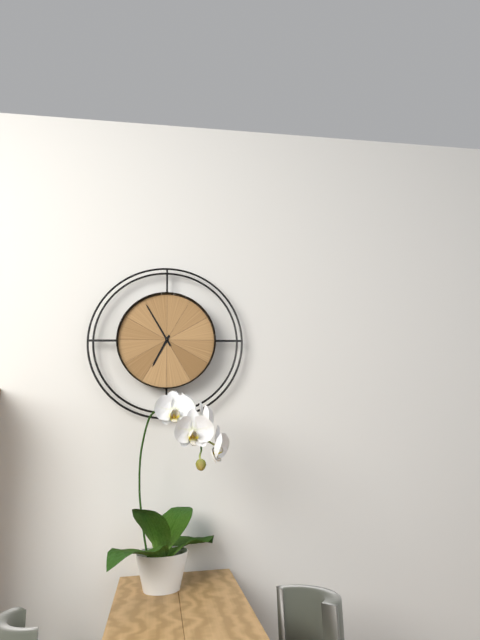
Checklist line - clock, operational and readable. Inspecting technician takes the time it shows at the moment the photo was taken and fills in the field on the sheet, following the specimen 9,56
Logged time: 6,55
